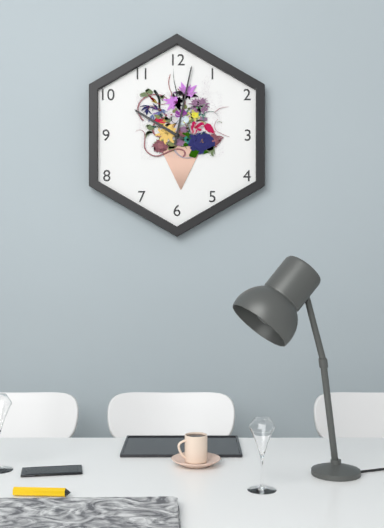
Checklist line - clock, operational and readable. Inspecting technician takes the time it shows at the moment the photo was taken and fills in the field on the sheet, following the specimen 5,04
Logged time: 10,02
